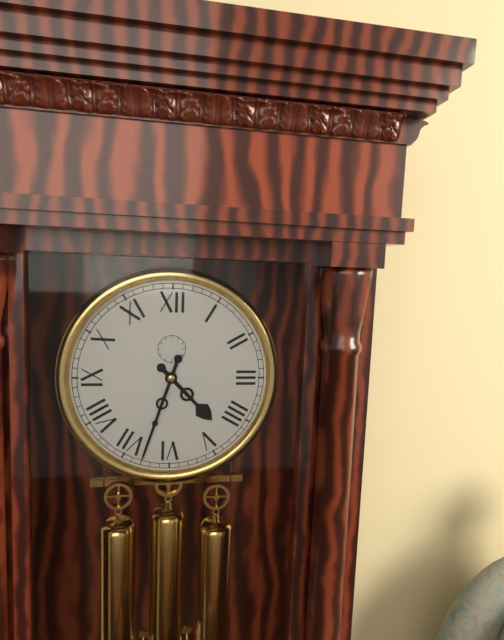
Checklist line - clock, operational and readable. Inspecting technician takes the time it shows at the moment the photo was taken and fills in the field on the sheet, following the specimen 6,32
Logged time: 4,33
